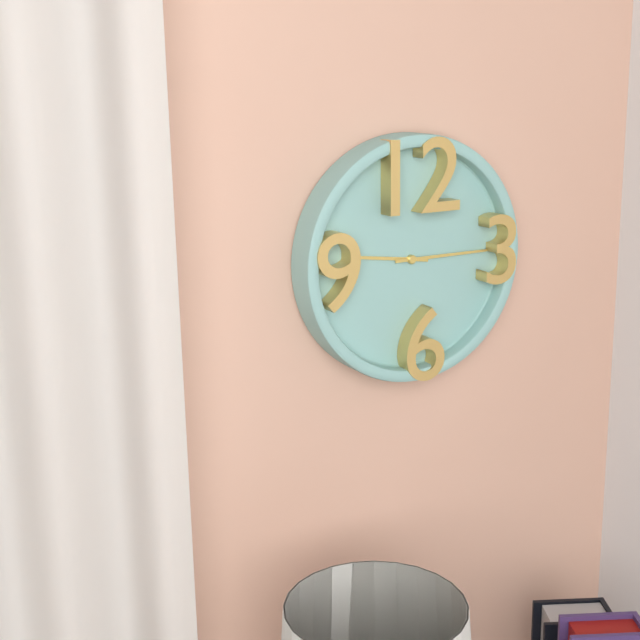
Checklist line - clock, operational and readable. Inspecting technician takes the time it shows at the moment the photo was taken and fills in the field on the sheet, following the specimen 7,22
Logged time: 9,15
